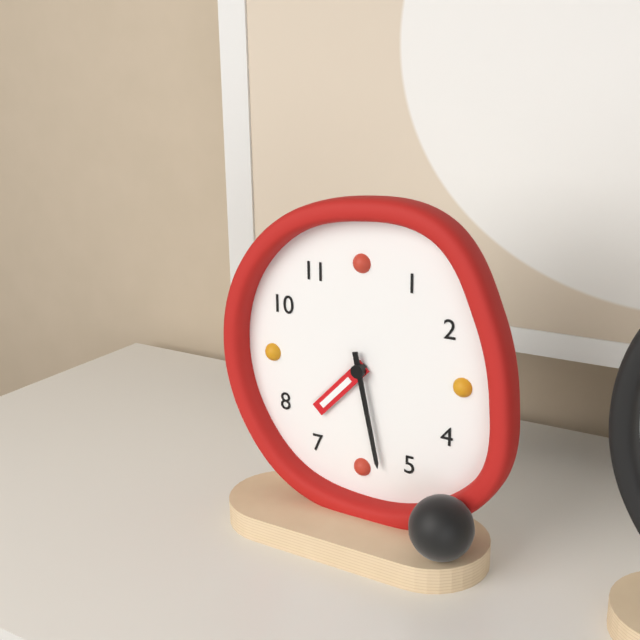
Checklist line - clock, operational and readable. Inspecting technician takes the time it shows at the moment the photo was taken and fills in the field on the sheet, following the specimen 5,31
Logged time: 7,28
